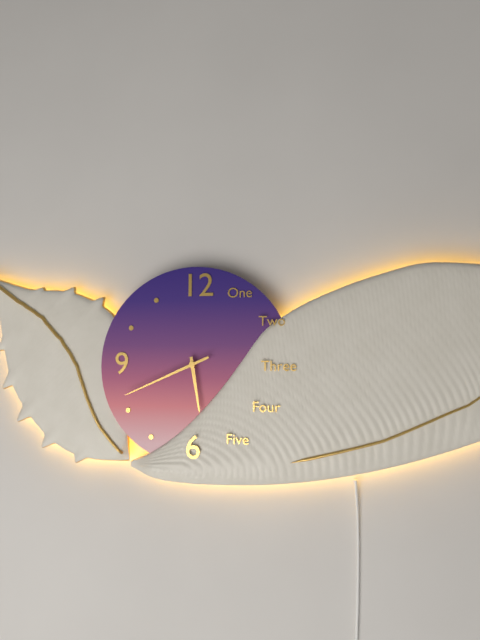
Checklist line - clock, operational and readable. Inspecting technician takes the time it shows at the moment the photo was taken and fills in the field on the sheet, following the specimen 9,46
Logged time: 5,41
